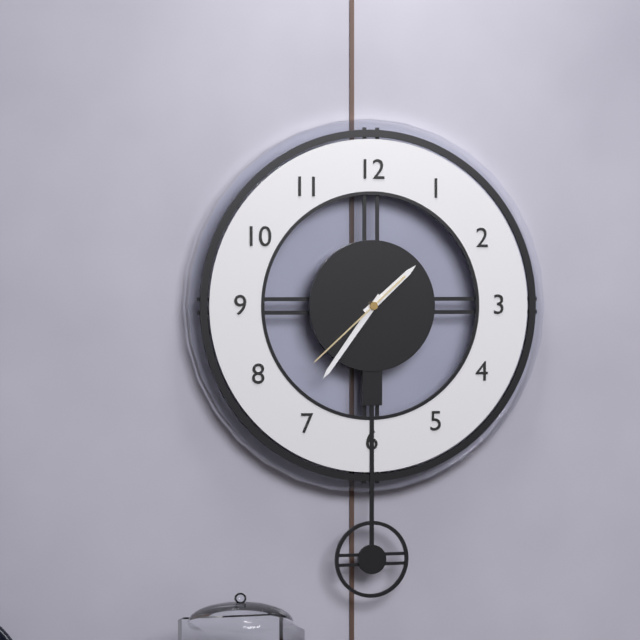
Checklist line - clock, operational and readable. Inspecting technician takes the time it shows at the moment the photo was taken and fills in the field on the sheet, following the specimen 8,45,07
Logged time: 1,36,38
